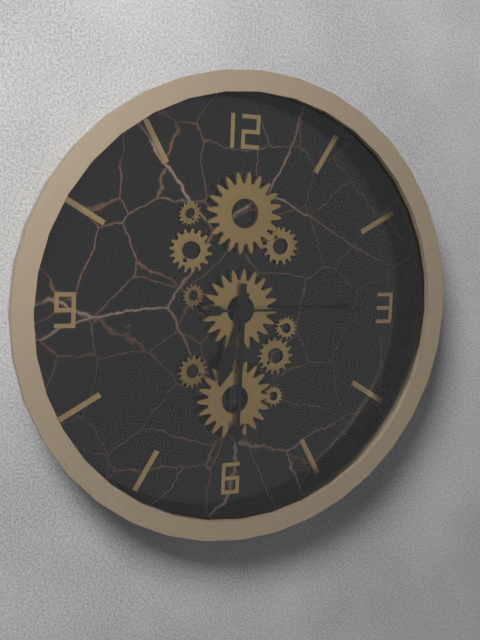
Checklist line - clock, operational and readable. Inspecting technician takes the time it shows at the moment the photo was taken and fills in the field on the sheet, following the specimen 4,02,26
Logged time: 6,30,15
